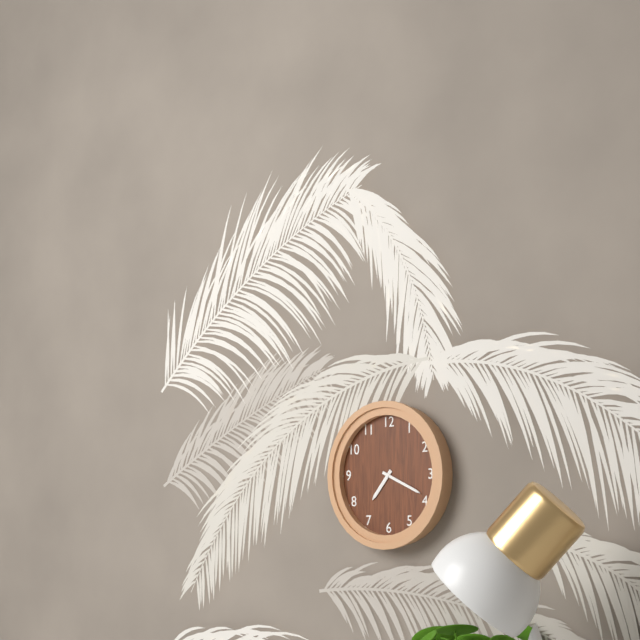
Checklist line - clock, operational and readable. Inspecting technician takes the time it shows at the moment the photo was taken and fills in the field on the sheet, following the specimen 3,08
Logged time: 7,19
